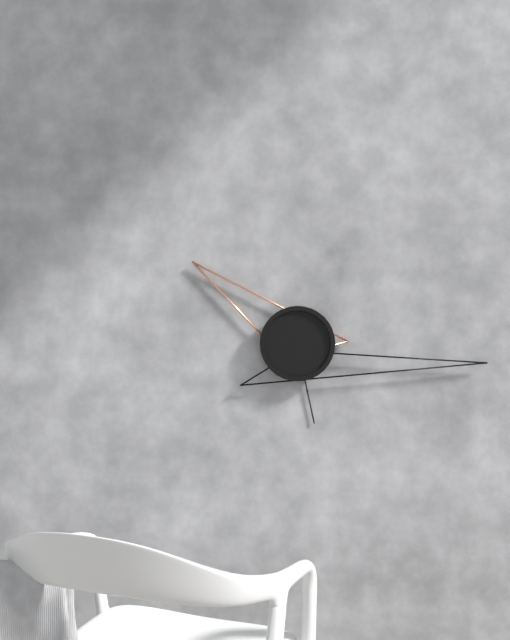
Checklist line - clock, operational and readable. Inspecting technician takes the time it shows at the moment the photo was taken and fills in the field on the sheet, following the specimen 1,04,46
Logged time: 10,16,28
